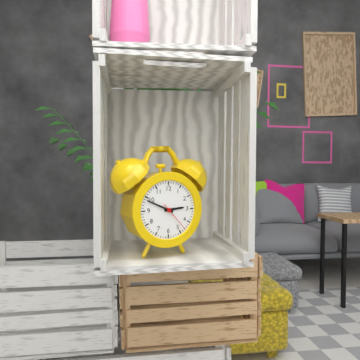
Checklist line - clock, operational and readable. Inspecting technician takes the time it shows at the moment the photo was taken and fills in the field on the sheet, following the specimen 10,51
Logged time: 2,49
